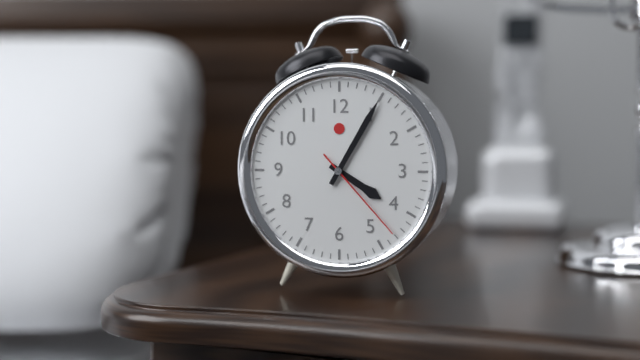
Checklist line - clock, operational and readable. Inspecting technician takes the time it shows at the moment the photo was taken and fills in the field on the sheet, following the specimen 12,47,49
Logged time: 4,05,23
